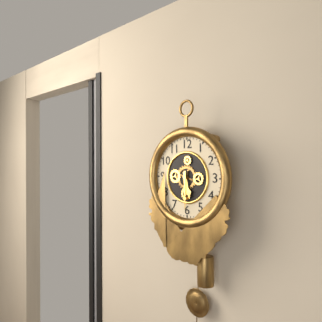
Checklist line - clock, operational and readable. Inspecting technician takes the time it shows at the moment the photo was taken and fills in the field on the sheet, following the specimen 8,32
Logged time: 5,30
